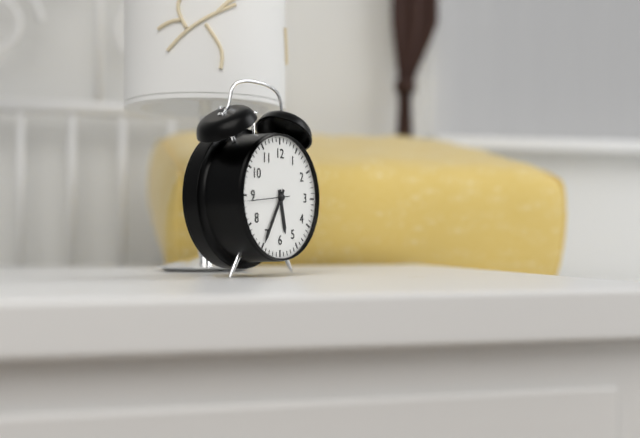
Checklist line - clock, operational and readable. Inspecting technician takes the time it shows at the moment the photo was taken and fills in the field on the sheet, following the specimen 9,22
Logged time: 5,35
